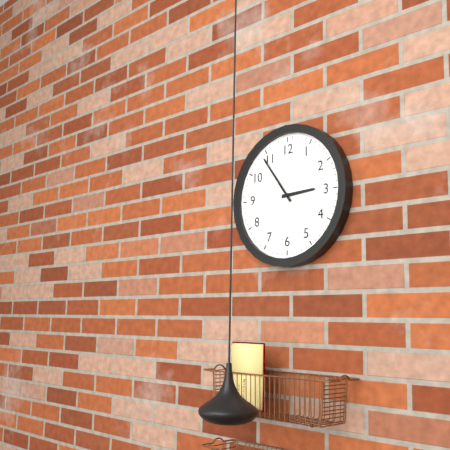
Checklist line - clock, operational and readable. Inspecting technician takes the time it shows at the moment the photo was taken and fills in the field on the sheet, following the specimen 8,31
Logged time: 2,54
